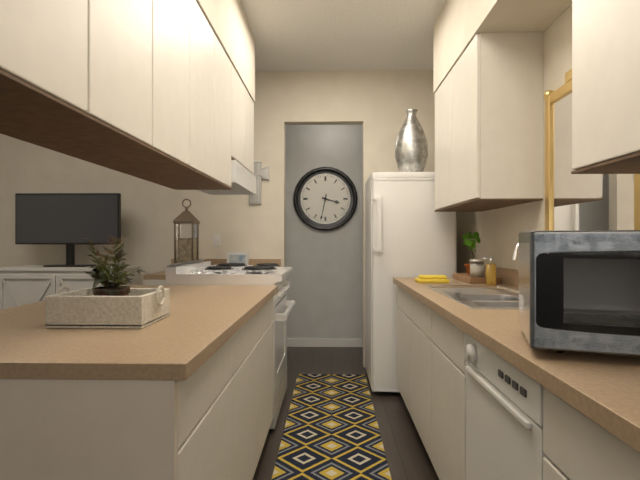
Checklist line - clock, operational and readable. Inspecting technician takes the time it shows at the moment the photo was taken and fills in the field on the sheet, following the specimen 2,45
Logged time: 3,32
